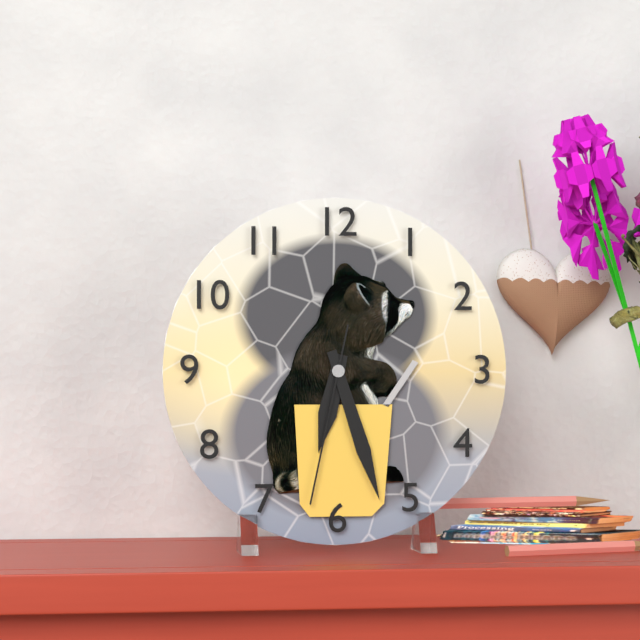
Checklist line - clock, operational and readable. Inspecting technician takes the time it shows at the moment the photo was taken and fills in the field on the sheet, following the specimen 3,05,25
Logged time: 6,27,32
